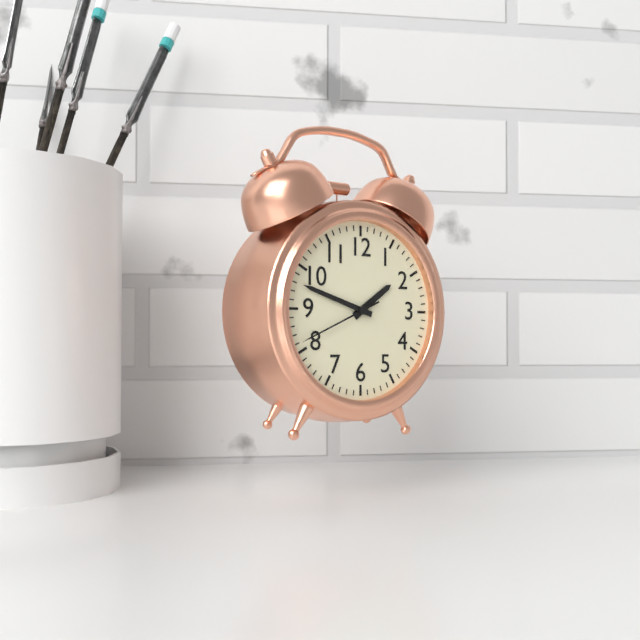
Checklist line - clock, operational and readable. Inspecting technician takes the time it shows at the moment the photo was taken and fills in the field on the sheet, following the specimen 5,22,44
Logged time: 1,48,41
